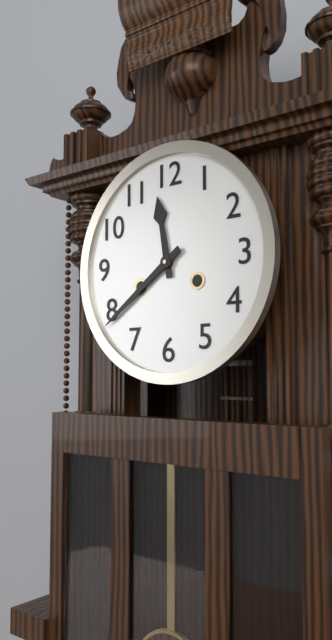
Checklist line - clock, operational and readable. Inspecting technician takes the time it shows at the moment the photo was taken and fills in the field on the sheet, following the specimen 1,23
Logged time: 11,39
